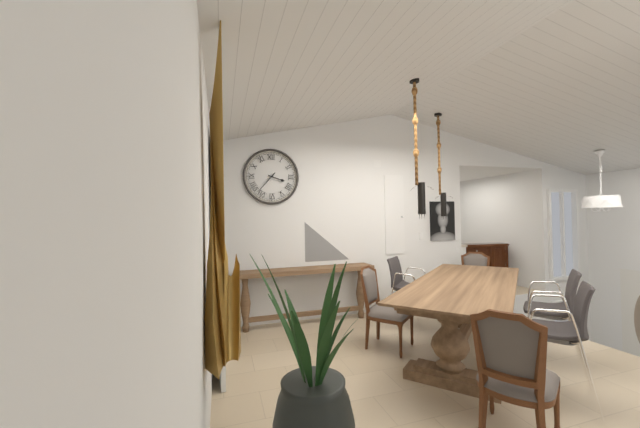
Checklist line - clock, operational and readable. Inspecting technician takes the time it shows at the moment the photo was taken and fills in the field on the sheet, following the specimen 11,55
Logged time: 3,37
